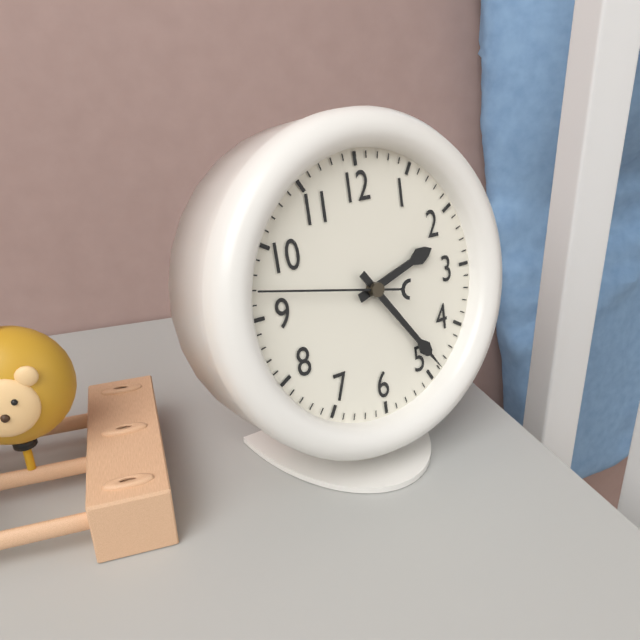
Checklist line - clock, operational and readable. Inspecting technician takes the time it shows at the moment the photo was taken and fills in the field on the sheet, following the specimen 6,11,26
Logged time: 2,24,47
